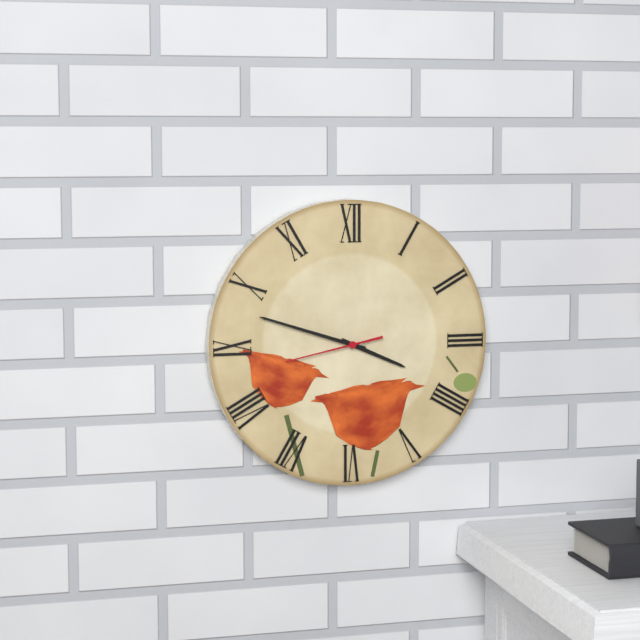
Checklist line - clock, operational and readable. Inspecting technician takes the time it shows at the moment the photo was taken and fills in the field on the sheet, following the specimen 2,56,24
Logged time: 3,48,43
